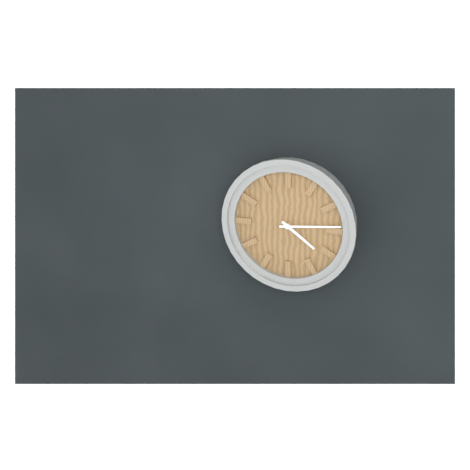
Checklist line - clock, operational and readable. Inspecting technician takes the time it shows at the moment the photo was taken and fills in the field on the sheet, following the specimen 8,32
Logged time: 4,14
